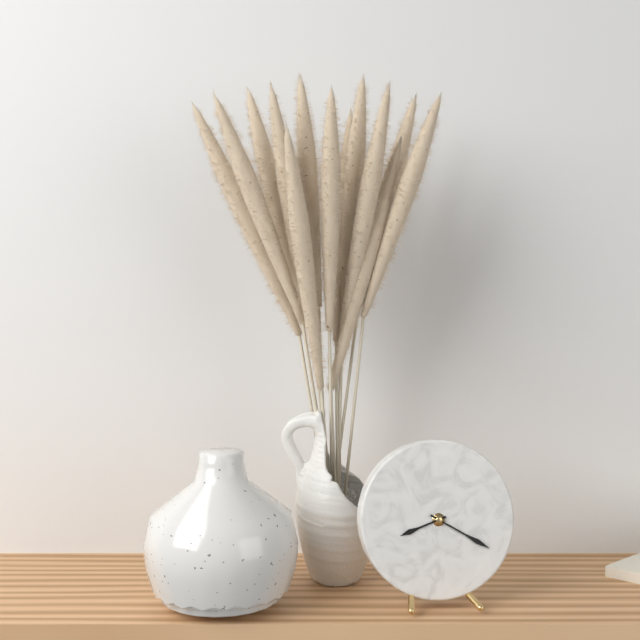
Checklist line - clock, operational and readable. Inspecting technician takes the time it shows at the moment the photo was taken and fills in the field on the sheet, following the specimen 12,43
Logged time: 8,20
